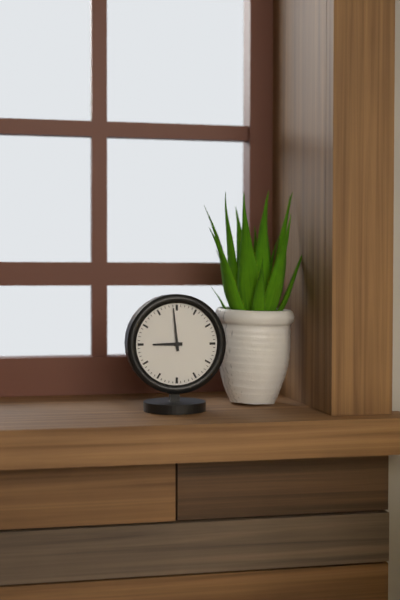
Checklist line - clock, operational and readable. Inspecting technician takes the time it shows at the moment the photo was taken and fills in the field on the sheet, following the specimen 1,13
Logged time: 8,59
